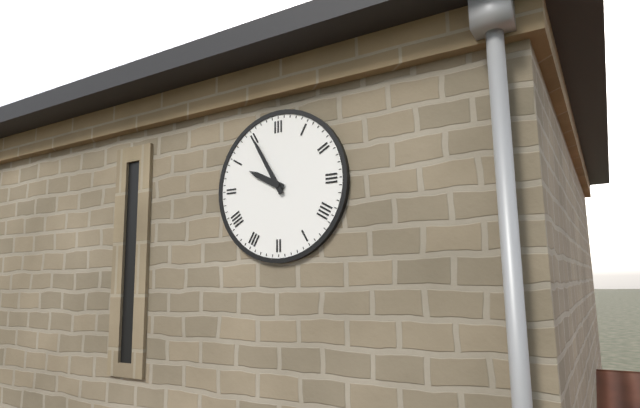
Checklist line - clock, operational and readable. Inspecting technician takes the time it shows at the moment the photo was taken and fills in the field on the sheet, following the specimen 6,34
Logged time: 9,55
